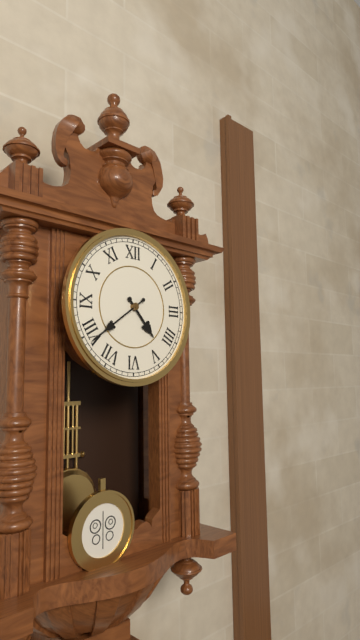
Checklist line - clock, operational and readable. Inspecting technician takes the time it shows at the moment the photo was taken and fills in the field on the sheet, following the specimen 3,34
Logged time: 4,39
